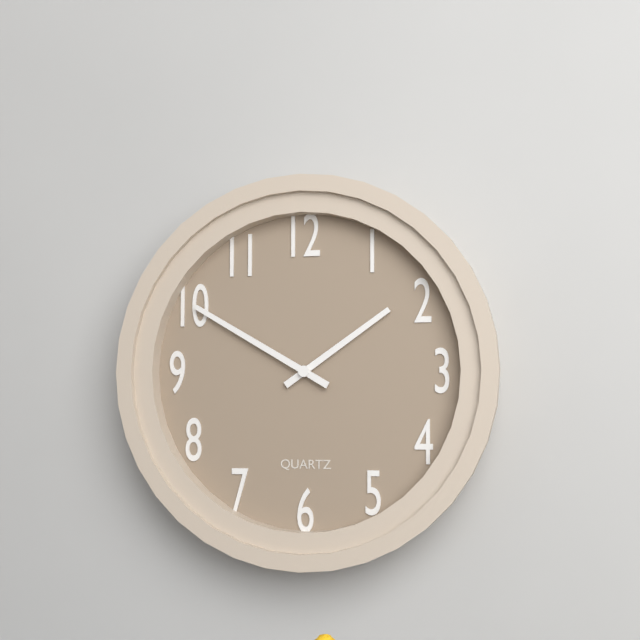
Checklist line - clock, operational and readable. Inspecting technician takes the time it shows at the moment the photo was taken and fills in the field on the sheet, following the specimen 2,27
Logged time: 1,50
